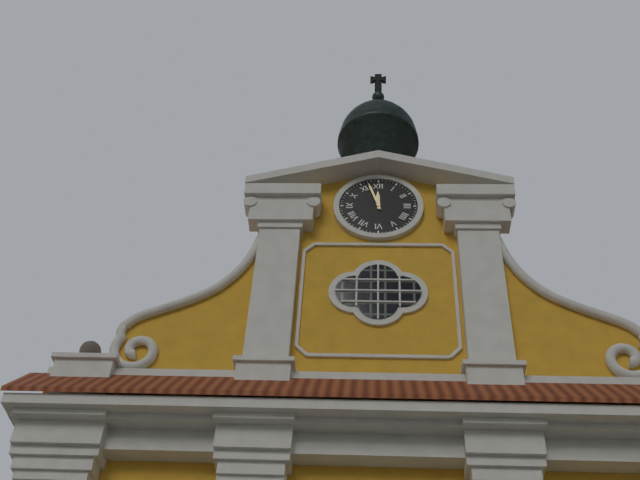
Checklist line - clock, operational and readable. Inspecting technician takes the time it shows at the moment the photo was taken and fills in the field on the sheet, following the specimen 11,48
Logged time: 11,57
